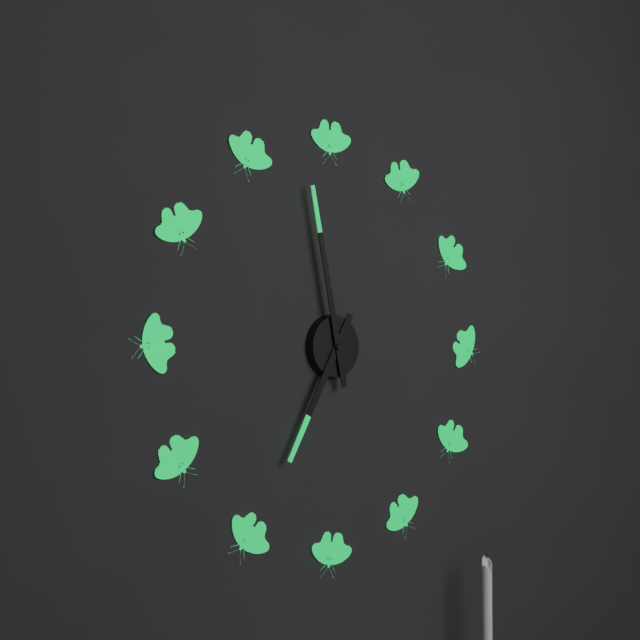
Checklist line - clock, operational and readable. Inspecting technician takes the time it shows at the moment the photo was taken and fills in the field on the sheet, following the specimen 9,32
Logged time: 6,58
